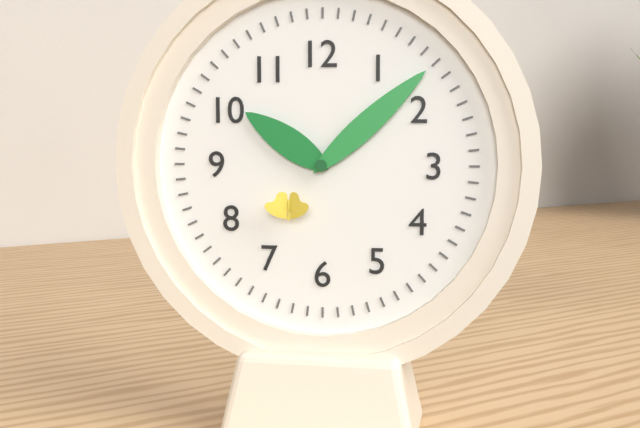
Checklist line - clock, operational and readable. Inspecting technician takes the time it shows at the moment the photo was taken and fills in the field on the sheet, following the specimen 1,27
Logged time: 10,08
